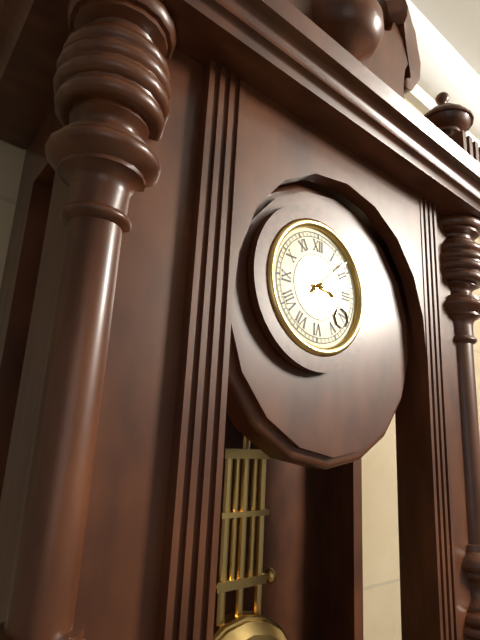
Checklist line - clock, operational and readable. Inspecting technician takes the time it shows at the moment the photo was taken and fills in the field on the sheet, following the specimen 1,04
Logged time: 3,08
